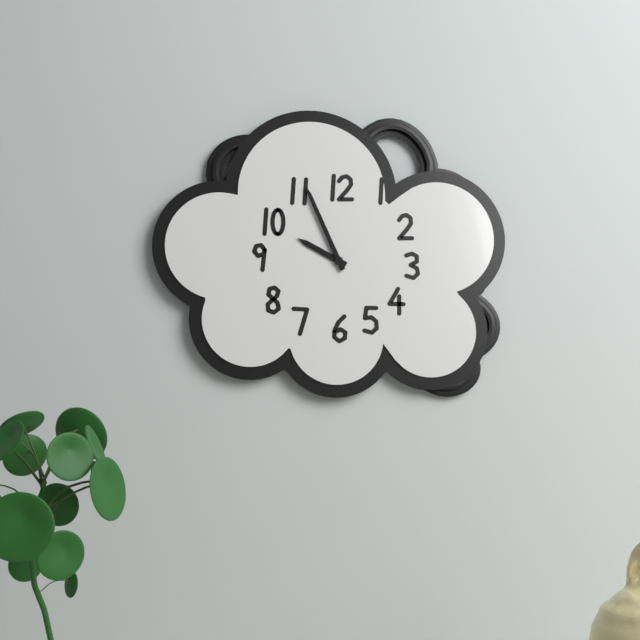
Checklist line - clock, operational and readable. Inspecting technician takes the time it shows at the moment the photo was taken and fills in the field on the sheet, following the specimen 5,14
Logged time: 9,56
